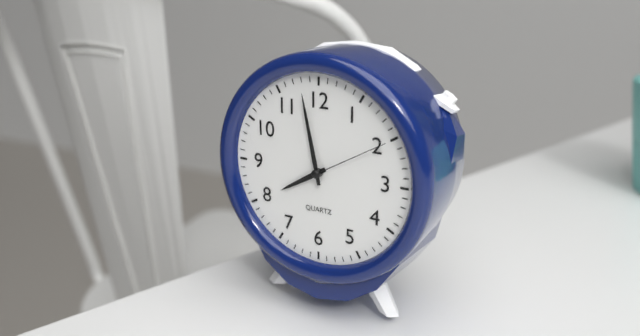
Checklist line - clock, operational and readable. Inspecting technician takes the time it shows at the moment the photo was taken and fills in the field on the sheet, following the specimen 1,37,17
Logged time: 7,58,10
